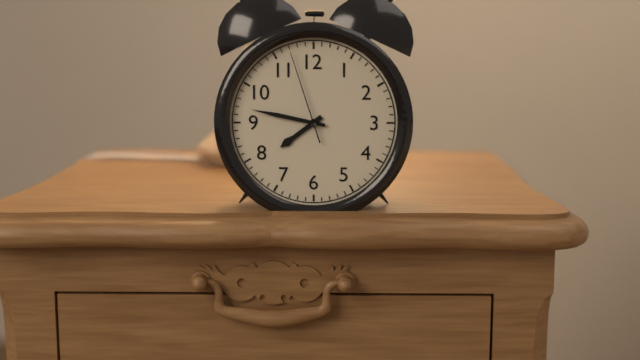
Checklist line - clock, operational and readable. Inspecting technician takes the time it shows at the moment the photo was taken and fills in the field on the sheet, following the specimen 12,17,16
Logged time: 7,47,57
